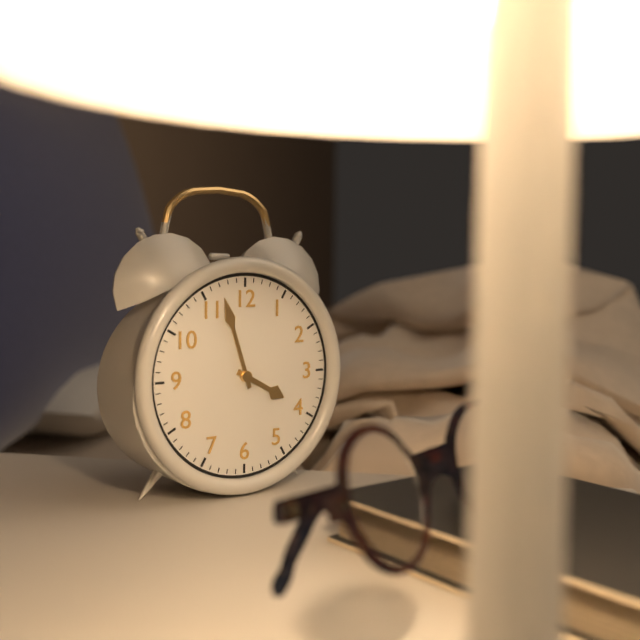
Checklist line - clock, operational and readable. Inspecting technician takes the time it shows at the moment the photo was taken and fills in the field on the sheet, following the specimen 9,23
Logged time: 3,57
